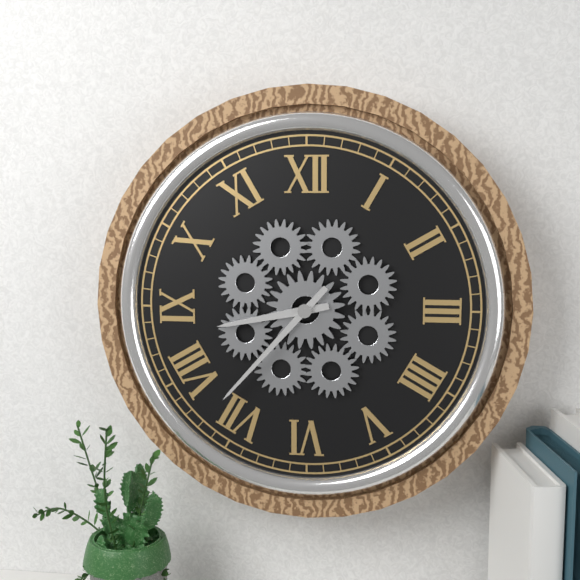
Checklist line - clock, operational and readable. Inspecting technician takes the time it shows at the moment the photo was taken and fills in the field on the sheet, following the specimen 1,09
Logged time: 8,37
